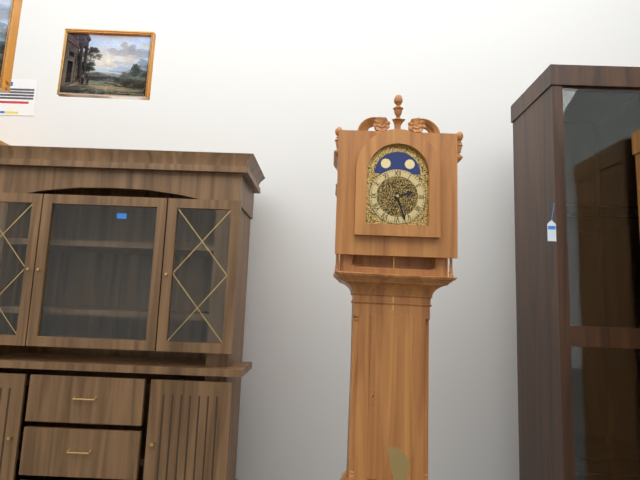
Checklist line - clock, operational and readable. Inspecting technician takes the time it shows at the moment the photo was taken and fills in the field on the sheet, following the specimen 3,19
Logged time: 2,27
